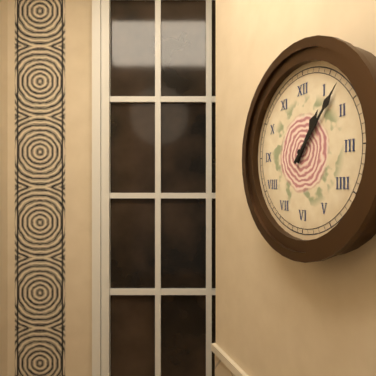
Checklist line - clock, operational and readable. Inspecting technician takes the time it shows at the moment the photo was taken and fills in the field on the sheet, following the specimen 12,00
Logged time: 1,07
